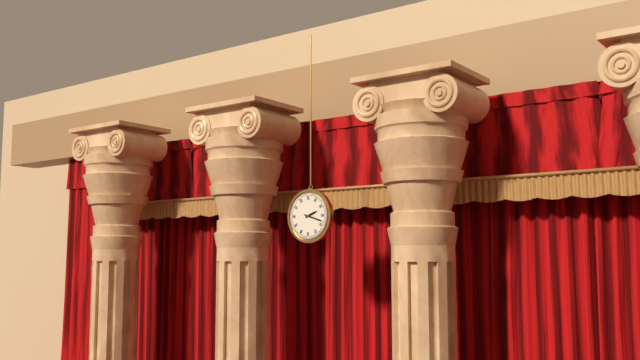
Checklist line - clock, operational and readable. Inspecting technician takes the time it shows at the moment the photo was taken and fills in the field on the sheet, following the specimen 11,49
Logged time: 2,18
